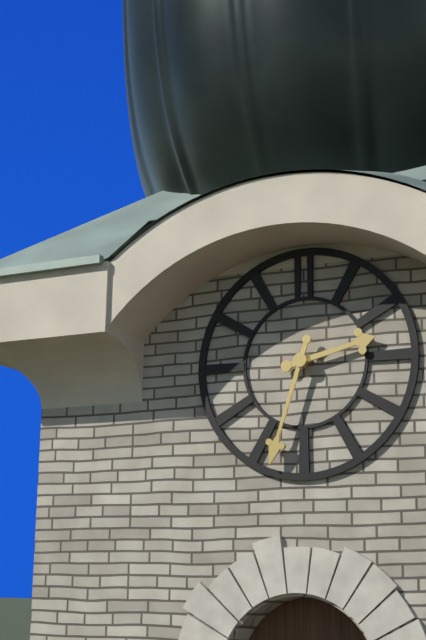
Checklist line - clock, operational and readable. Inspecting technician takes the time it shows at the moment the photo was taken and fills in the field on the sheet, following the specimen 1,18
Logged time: 2,33
